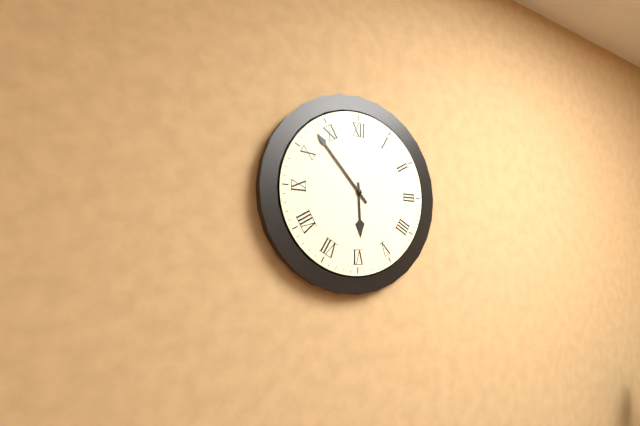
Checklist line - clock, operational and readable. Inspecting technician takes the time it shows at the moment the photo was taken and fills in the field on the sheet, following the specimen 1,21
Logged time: 5,53
